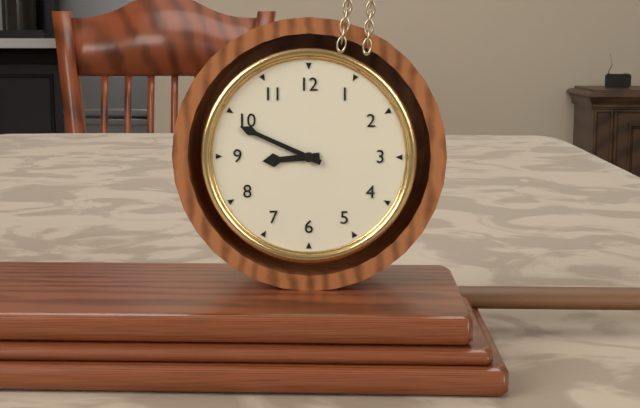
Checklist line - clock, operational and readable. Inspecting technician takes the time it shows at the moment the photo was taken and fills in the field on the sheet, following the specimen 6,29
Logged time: 8,49
